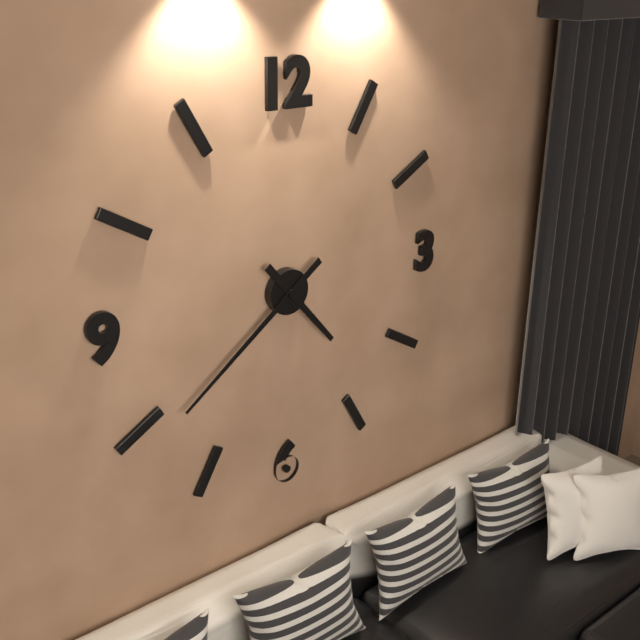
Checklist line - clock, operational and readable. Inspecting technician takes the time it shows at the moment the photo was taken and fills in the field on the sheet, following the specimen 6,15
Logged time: 4,39
